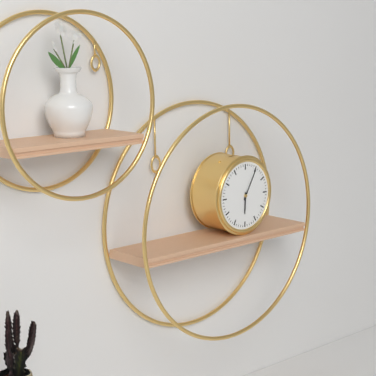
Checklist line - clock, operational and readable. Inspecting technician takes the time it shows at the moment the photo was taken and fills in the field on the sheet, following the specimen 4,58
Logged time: 6,05
